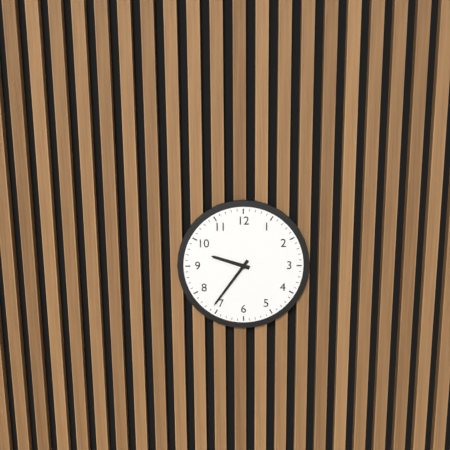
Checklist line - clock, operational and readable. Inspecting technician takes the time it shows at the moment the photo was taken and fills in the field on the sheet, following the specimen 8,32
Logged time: 9,36
